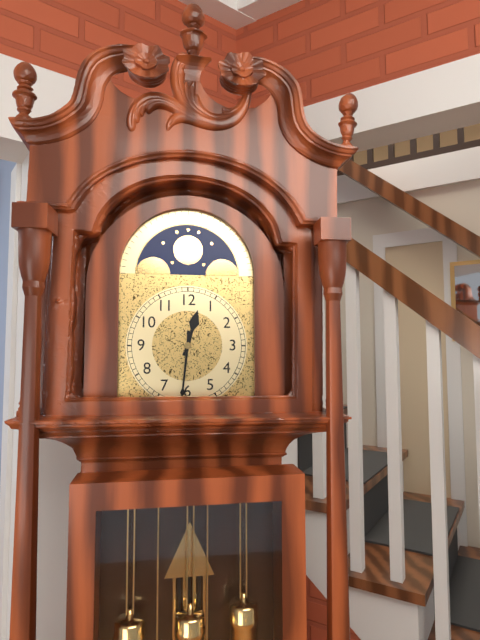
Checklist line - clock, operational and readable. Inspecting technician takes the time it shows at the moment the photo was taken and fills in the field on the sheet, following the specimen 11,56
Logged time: 12,31
